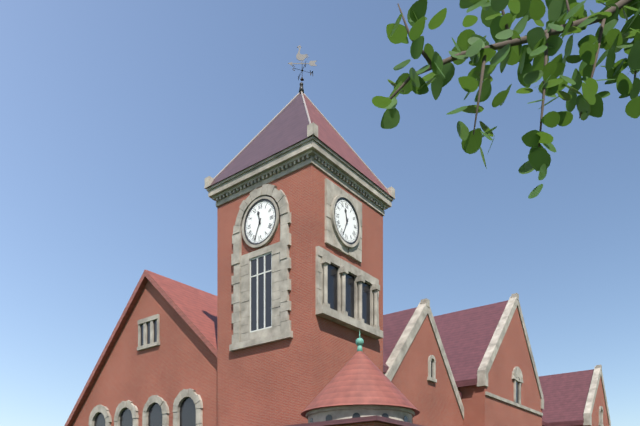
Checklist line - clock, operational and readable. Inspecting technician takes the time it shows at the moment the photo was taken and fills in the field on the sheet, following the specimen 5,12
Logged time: 11,34
